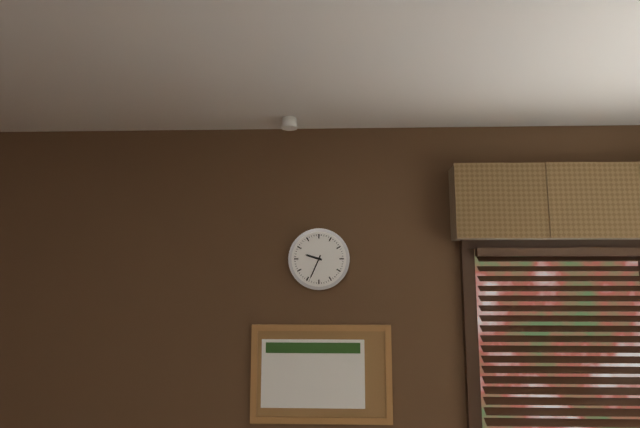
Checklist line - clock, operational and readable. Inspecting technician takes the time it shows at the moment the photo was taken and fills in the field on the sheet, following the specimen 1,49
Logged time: 9,34
